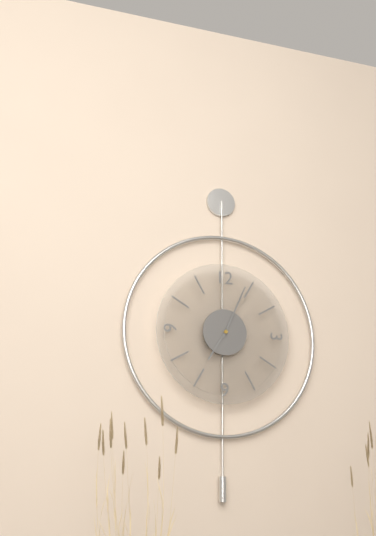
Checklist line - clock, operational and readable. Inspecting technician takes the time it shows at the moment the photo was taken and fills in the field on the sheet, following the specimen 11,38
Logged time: 7,04
